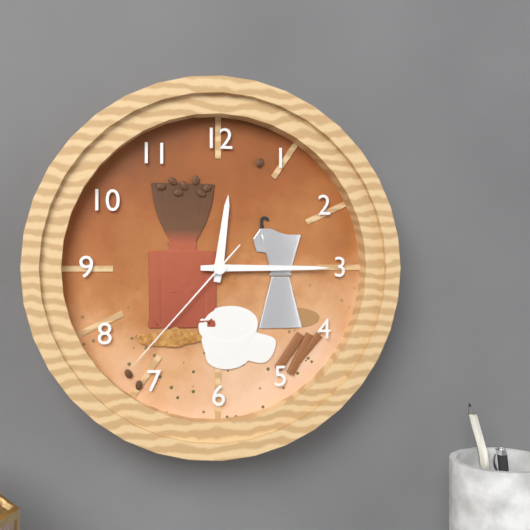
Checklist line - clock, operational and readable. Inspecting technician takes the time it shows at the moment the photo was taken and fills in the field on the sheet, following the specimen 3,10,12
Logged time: 12,15,37
